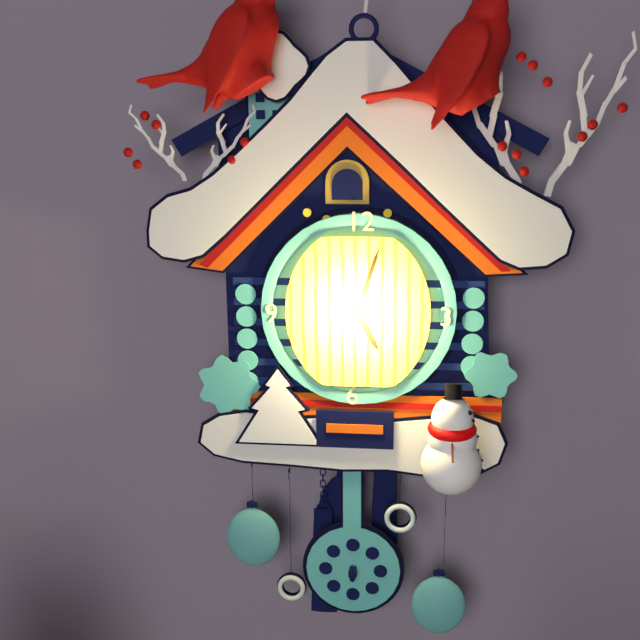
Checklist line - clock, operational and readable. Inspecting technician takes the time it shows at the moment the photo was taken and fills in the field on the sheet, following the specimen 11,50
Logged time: 5,03
